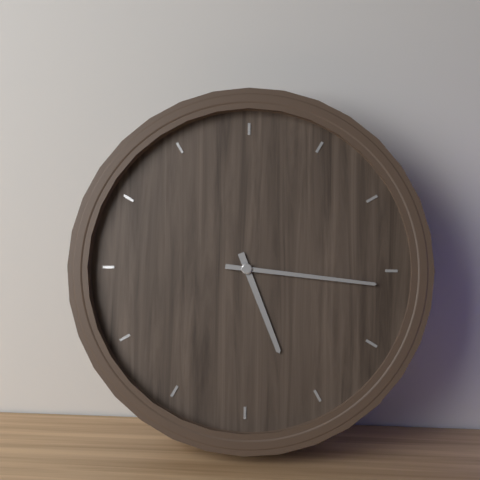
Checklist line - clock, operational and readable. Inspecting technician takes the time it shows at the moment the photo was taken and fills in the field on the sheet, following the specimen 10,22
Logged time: 5,16
